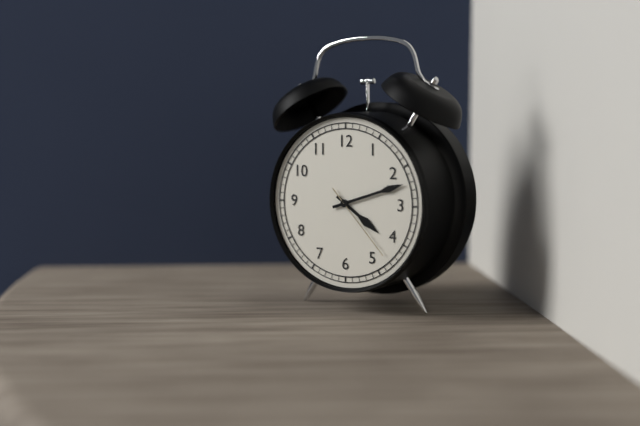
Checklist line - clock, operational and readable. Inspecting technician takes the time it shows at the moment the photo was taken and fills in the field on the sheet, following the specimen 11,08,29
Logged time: 4,12,23
